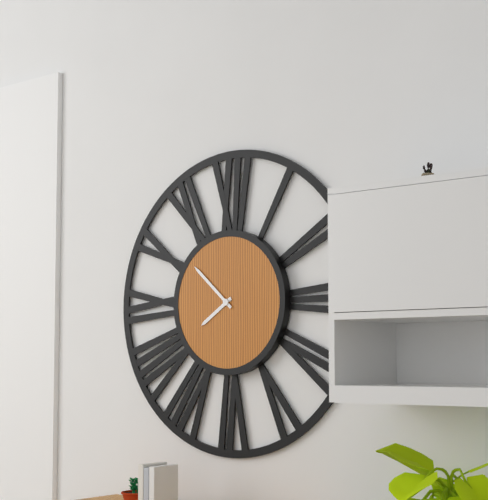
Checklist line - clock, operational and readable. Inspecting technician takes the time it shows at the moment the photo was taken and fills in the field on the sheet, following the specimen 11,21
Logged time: 7,52
